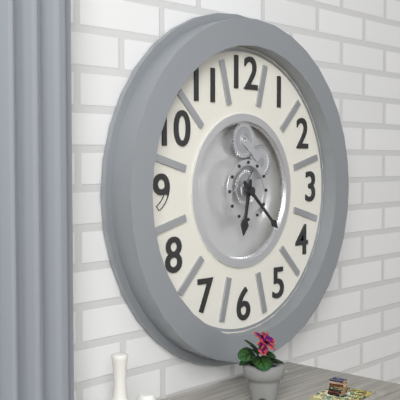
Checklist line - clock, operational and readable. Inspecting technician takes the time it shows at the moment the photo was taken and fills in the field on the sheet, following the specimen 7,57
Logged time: 6,22
